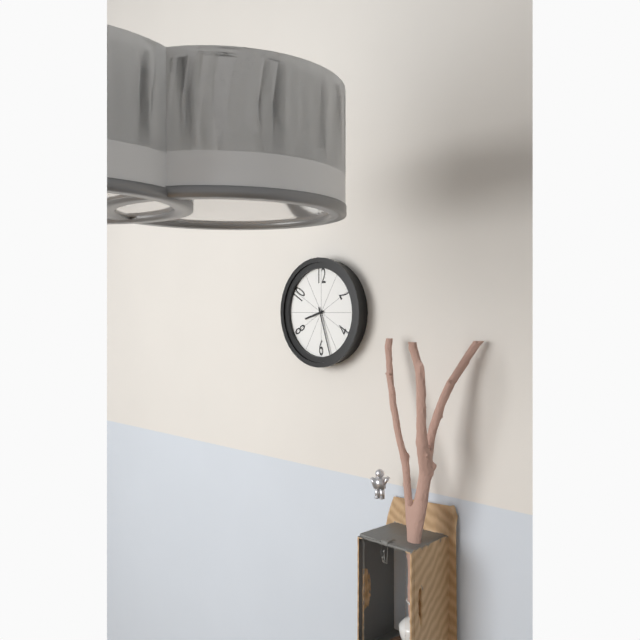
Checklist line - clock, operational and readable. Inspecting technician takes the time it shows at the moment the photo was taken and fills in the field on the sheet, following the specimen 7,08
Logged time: 8,27
